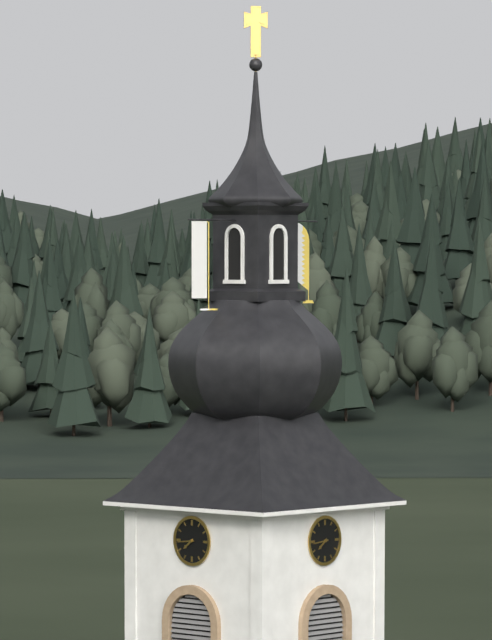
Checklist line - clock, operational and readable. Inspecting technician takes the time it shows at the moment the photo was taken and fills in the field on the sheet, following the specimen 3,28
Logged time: 7,44
